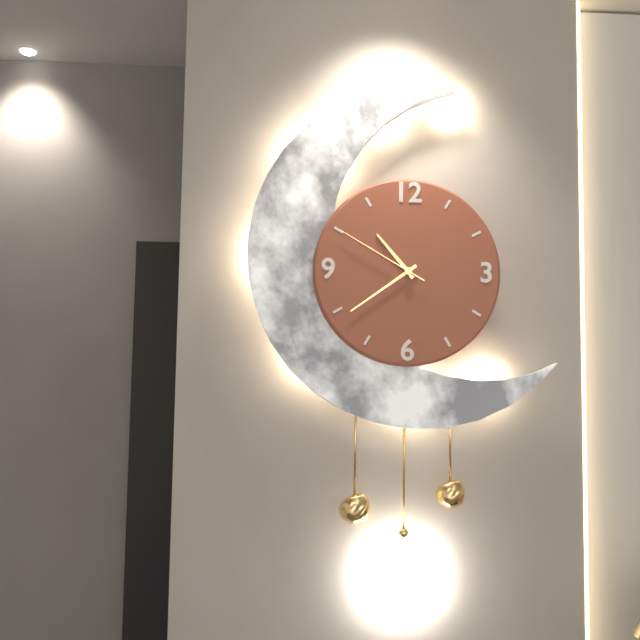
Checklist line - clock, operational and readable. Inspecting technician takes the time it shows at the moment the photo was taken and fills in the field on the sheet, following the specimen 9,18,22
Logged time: 10,39,50
